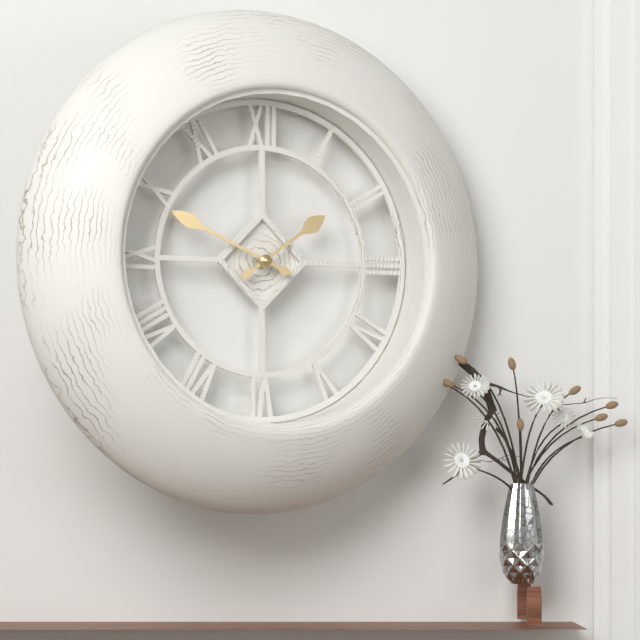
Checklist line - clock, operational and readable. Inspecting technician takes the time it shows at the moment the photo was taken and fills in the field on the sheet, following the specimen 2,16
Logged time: 1,49
